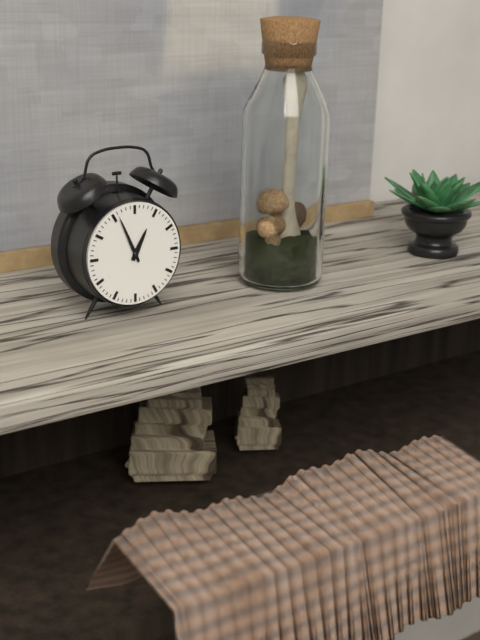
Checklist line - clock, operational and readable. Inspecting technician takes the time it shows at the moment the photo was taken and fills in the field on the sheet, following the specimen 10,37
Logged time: 12,56
